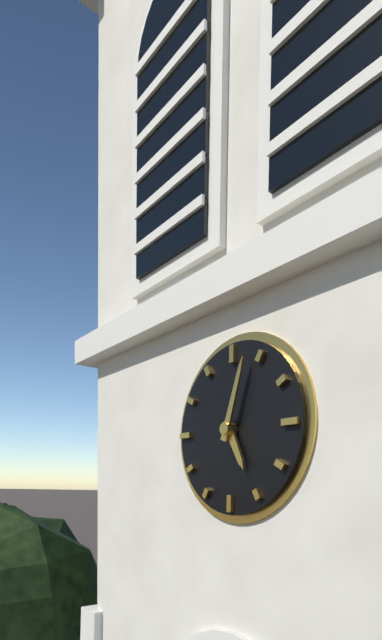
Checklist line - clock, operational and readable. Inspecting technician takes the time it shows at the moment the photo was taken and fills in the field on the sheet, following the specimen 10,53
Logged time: 5,03
